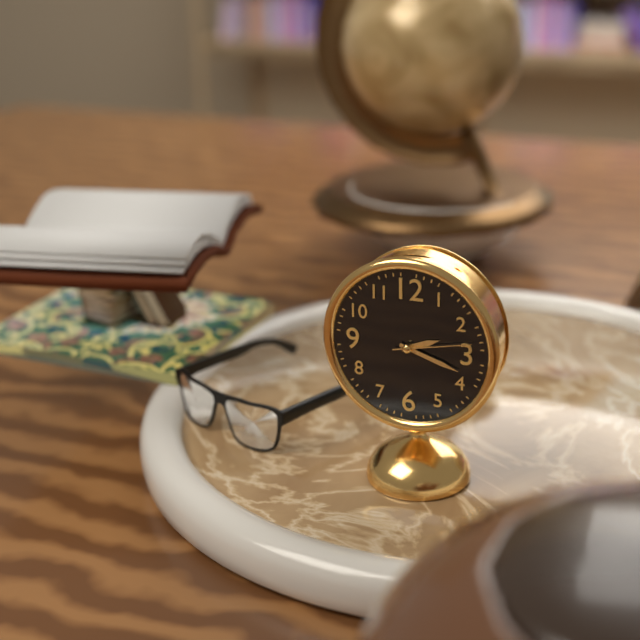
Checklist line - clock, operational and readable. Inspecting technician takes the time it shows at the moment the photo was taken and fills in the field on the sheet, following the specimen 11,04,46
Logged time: 2,18,13
